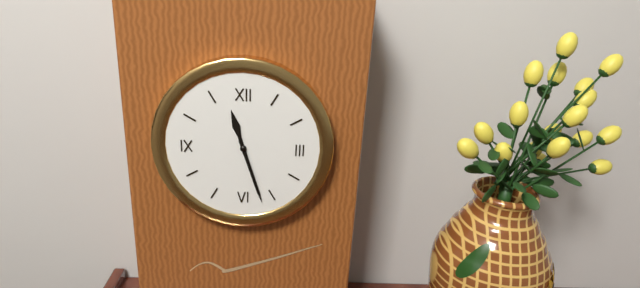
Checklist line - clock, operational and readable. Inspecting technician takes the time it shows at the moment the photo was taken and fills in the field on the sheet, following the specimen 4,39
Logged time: 11,27
